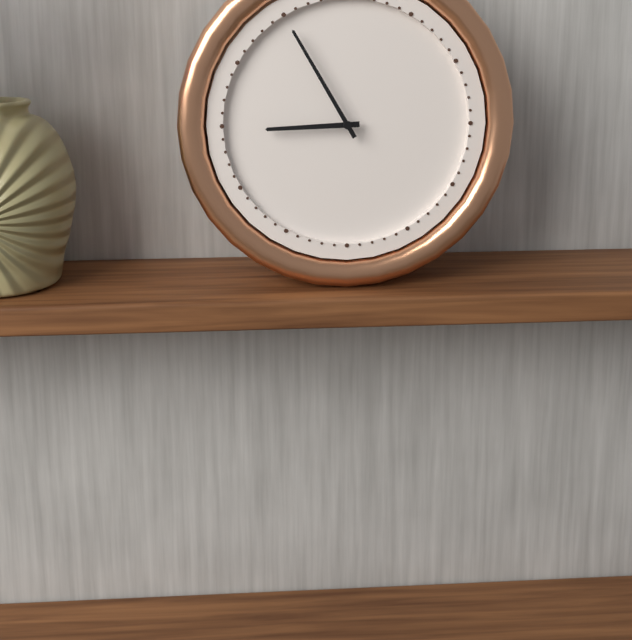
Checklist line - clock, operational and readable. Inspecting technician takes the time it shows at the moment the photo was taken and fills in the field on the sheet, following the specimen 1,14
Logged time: 8,55
